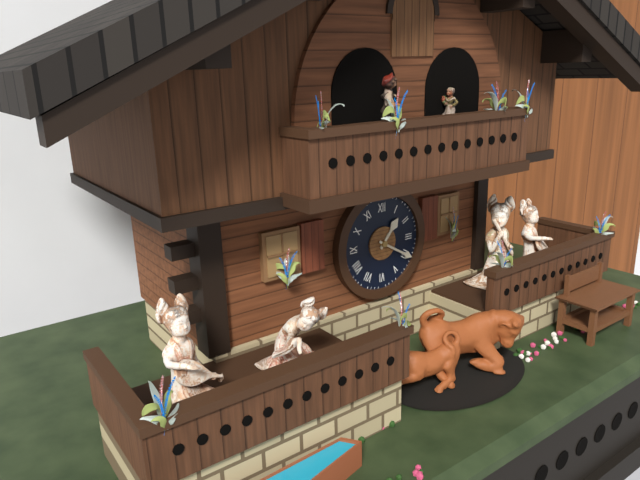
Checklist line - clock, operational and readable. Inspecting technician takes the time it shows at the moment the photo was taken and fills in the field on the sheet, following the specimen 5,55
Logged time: 1,20
